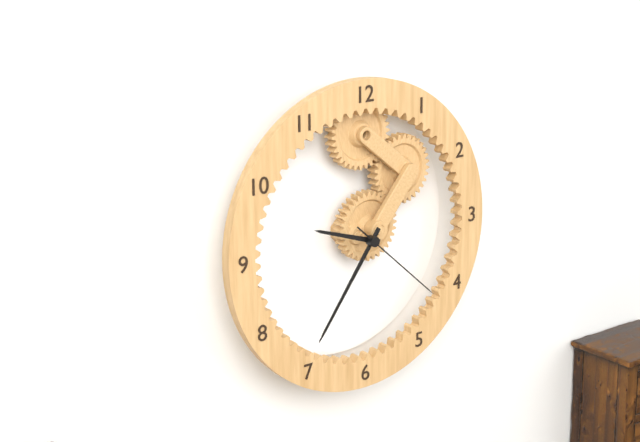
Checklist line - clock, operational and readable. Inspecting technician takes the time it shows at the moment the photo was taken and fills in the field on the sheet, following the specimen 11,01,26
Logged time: 9,36,22
